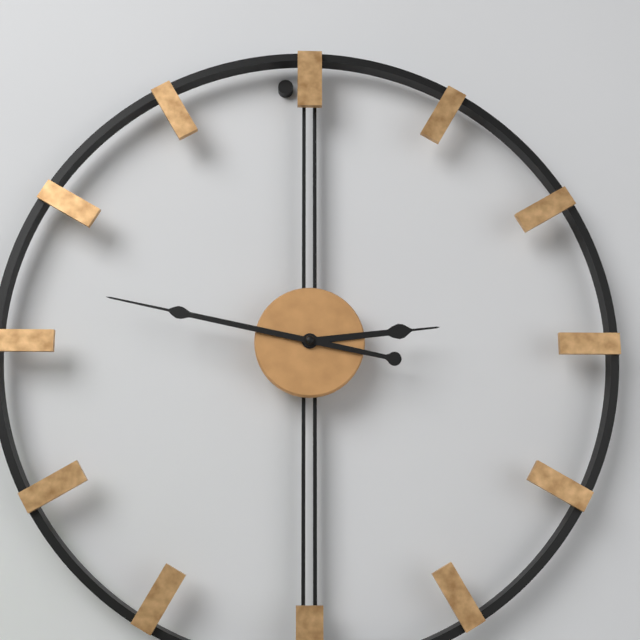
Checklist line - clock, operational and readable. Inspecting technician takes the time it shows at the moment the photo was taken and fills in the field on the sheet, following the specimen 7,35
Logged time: 2,47
